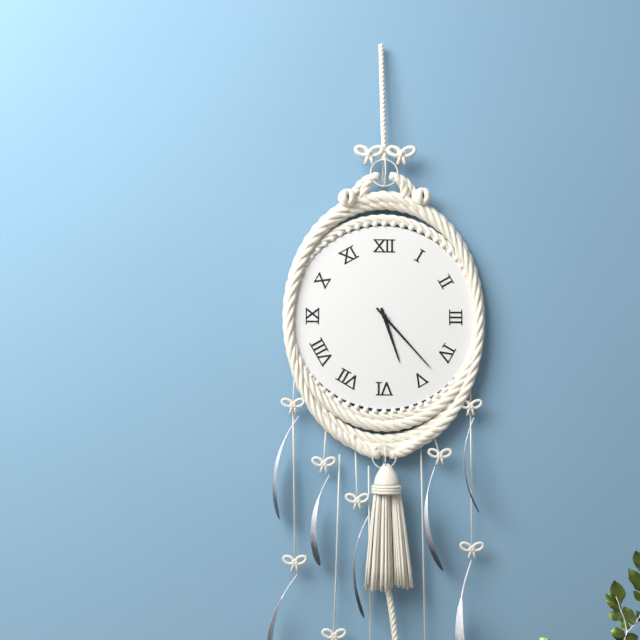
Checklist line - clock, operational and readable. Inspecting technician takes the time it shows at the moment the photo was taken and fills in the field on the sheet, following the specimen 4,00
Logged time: 5,23
